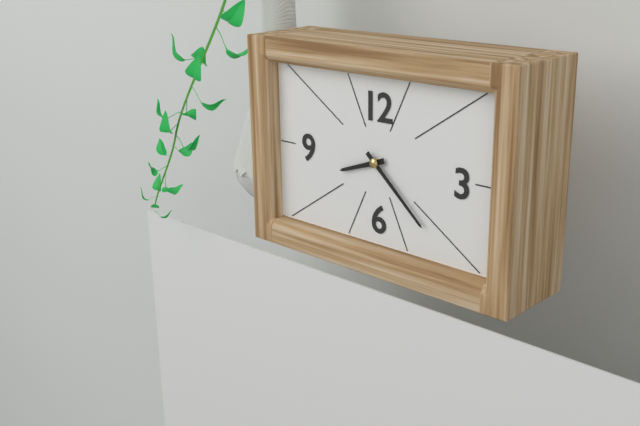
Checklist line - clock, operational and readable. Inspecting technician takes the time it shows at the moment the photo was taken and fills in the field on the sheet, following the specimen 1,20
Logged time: 8,22
